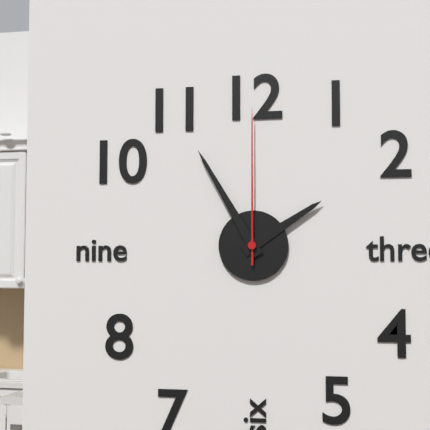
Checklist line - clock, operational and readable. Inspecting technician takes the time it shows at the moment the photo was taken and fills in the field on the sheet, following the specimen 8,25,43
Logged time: 1,55,00
